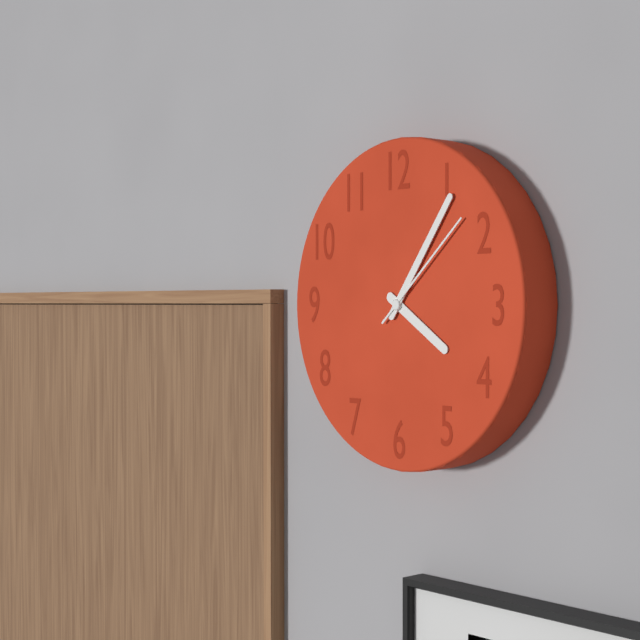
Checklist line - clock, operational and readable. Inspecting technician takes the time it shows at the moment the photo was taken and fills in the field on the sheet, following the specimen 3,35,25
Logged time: 4,06,08
